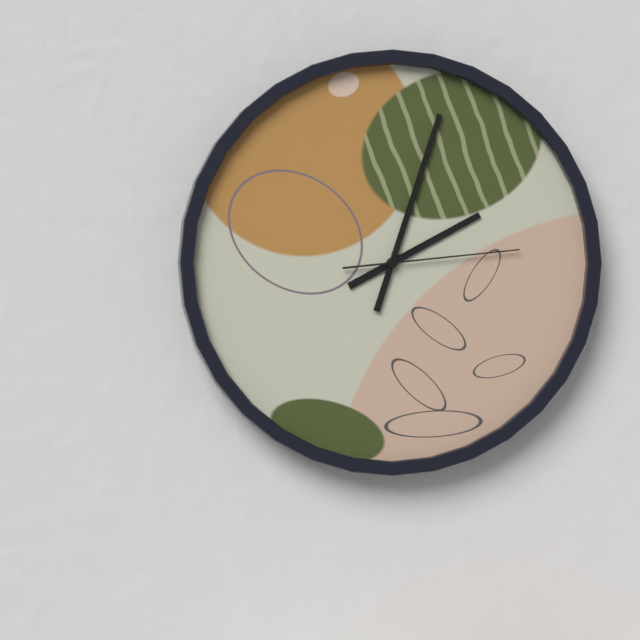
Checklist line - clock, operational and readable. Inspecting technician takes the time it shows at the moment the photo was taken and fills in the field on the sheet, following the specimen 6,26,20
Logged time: 2,03,14
